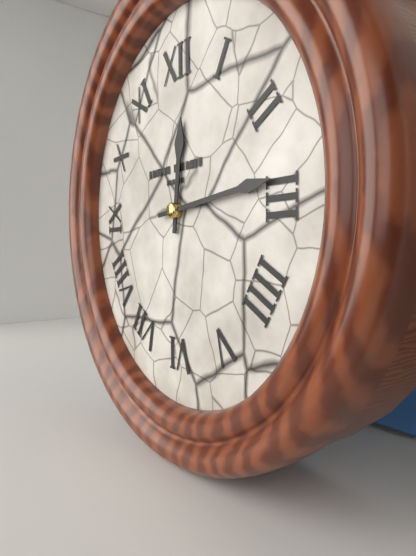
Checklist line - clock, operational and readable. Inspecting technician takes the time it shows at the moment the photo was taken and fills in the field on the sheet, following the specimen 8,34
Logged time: 12,14
